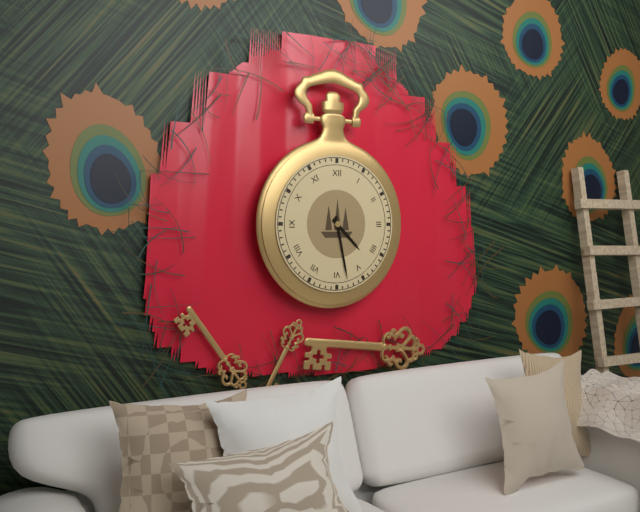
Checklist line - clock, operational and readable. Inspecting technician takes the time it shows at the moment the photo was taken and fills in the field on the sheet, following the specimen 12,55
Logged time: 4,28
